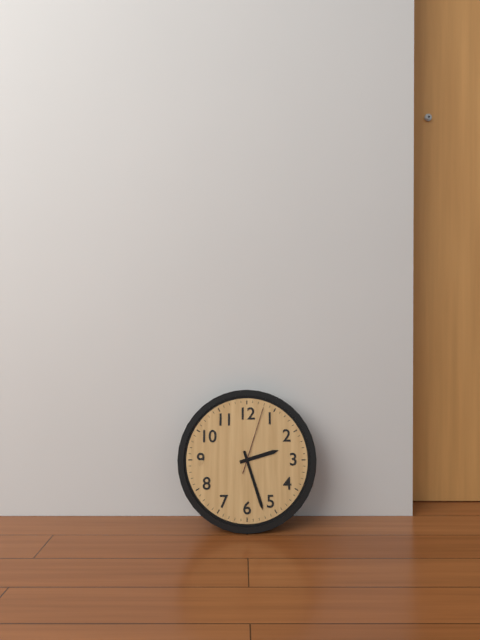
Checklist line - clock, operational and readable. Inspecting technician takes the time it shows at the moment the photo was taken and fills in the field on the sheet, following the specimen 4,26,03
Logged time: 2,27,03
